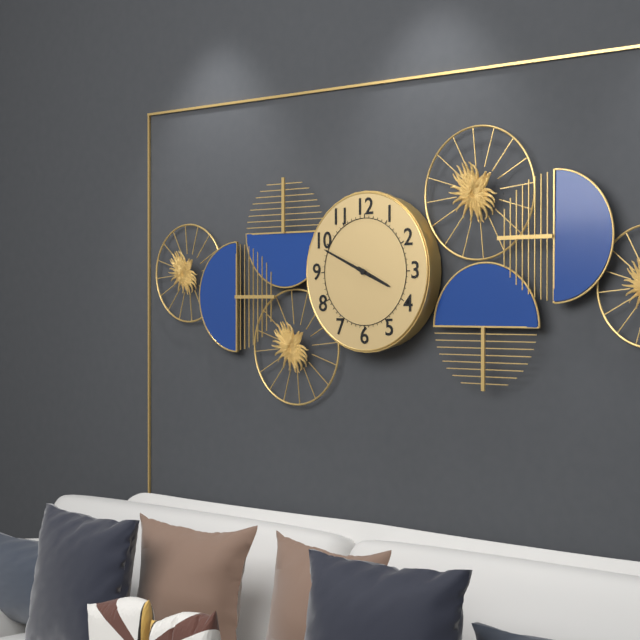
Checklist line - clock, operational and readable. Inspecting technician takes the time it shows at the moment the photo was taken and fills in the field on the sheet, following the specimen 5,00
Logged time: 3,49
